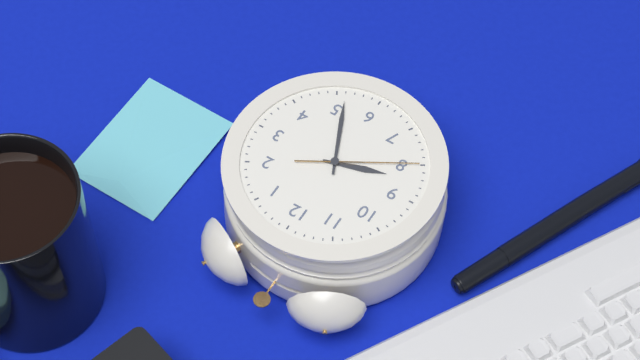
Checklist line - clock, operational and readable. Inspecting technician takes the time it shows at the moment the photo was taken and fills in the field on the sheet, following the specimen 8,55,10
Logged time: 8,26,40
